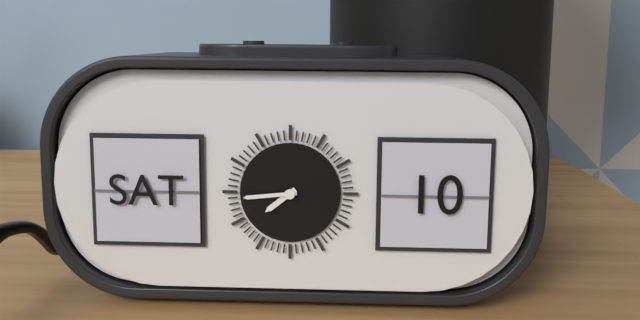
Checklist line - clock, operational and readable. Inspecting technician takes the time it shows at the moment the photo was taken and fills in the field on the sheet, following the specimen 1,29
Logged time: 7,44
